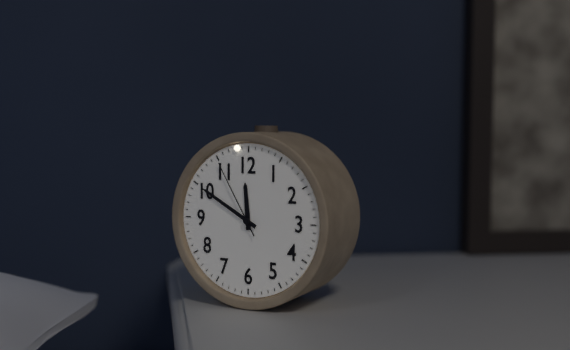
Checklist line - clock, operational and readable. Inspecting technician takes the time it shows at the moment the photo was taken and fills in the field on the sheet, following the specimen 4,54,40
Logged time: 11,50,55
